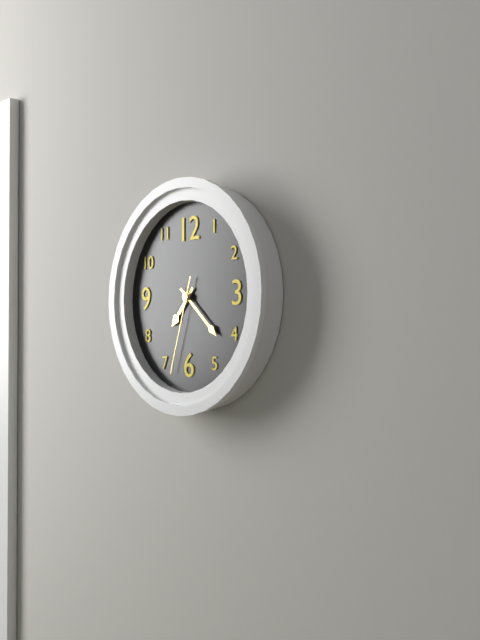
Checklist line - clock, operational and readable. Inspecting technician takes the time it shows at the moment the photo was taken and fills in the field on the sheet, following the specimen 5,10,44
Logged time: 7,22,33
